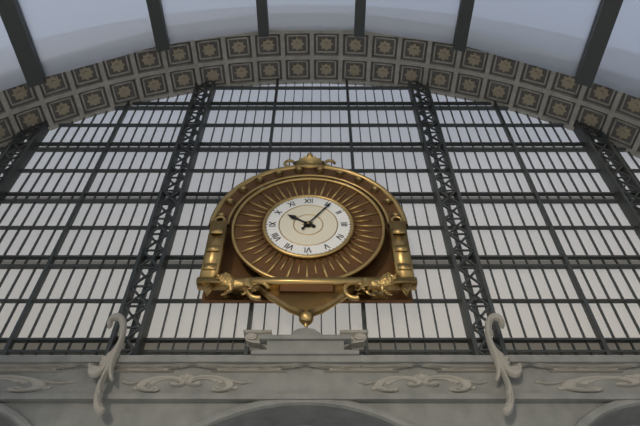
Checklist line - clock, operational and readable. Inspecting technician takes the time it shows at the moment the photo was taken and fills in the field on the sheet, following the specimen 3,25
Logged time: 10,06
